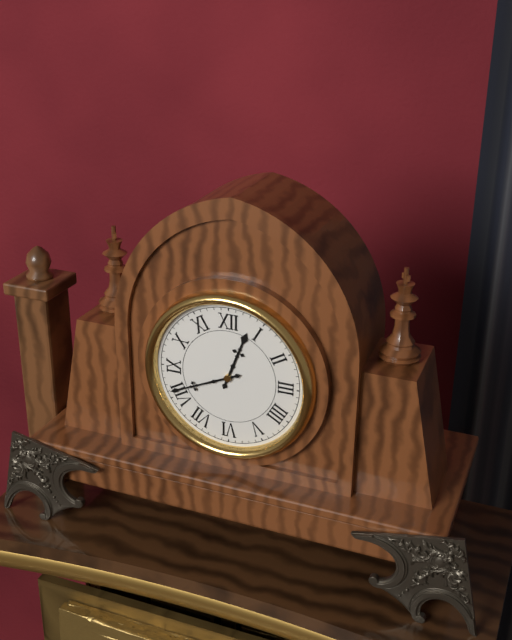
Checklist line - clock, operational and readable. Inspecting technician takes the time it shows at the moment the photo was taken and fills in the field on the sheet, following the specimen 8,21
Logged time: 12,41
